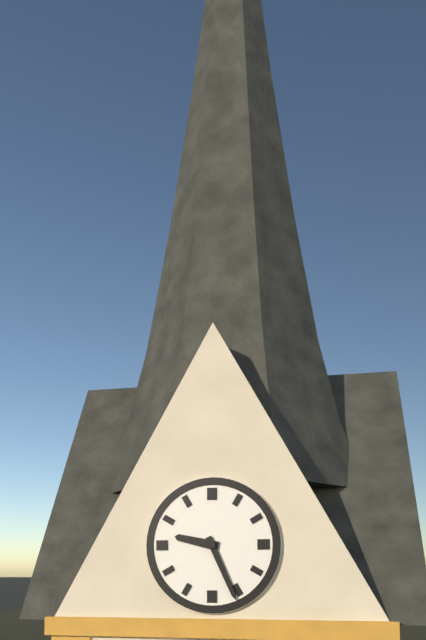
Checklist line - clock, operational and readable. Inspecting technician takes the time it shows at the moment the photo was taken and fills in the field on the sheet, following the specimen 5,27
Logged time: 9,26
